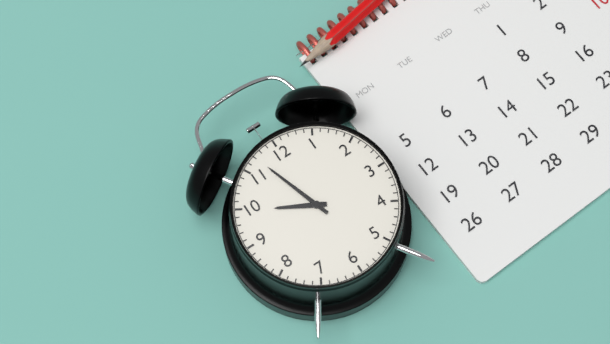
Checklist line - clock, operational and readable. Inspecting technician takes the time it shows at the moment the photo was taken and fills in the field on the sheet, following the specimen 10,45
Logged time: 9,57
